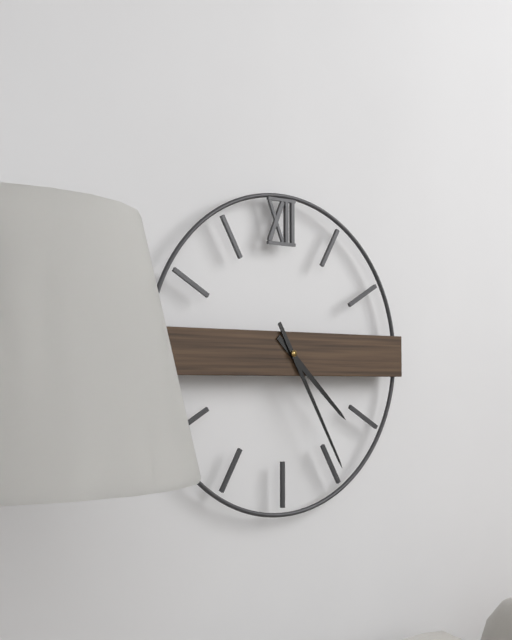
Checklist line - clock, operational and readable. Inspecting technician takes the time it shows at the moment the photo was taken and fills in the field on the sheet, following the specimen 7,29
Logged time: 4,25
